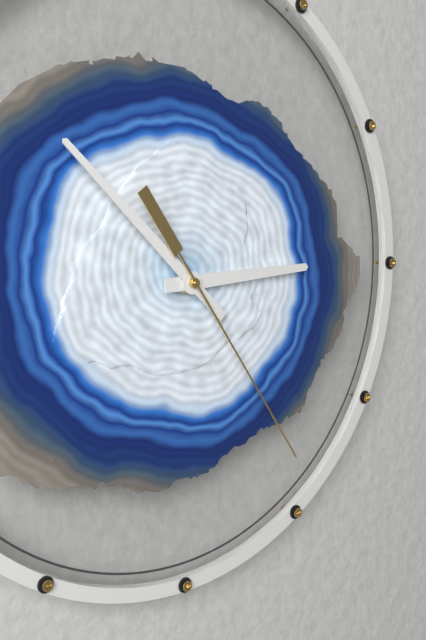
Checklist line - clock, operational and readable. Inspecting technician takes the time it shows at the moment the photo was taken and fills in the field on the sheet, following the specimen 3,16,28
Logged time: 2,52,24
